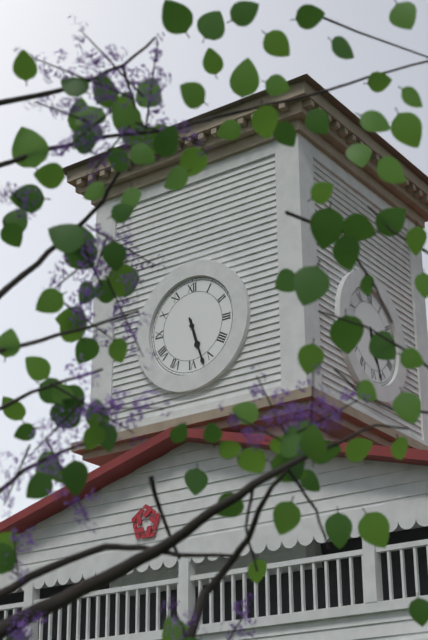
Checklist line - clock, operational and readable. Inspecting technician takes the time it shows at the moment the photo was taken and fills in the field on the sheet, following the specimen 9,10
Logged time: 5,27
